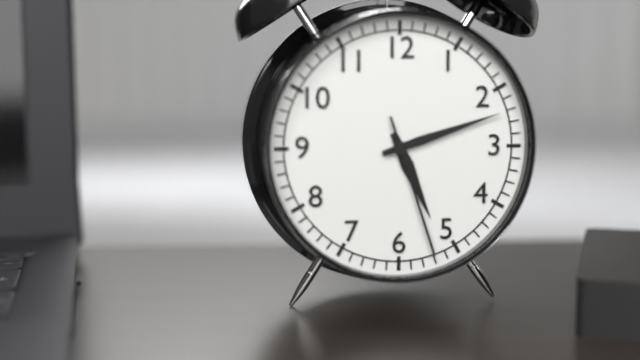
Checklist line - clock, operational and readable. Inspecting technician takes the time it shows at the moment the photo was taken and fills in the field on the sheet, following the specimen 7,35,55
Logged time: 5,12,27
